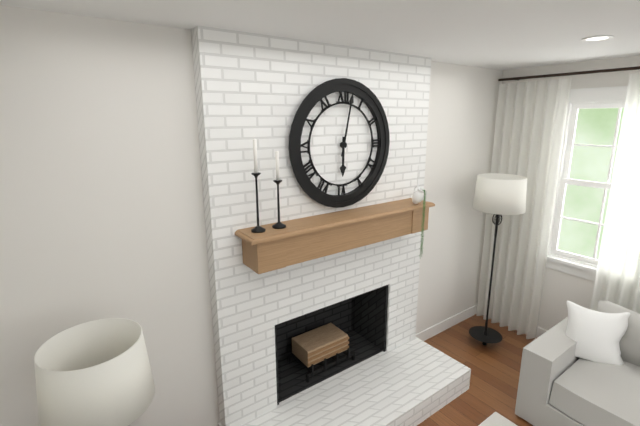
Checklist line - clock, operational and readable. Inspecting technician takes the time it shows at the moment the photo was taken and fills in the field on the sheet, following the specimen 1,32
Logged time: 6,02
